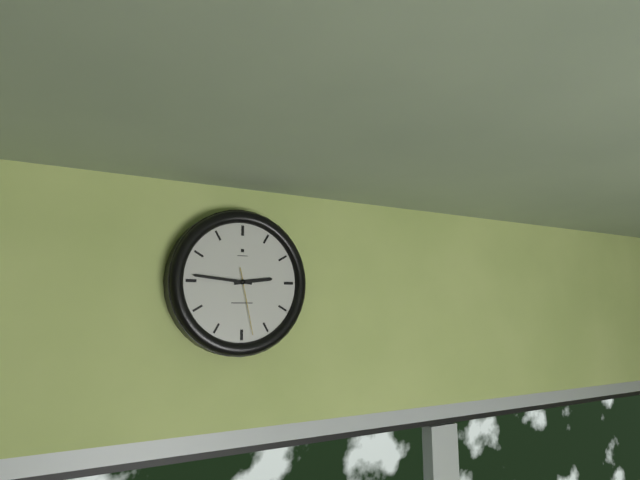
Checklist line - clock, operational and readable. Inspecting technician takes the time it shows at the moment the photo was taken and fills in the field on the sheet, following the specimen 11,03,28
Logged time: 2,46,28
